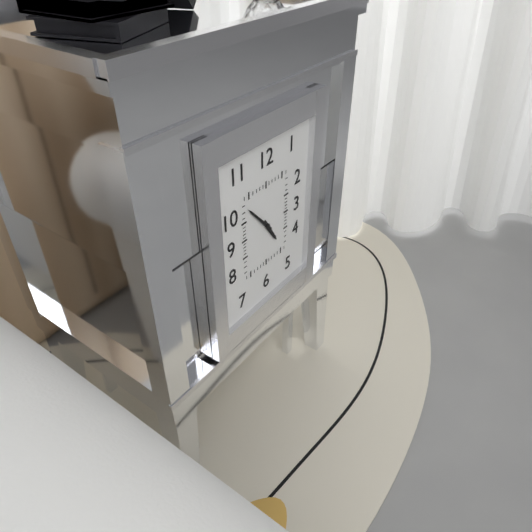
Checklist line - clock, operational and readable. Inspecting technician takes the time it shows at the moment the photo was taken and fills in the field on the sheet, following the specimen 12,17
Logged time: 4,53
